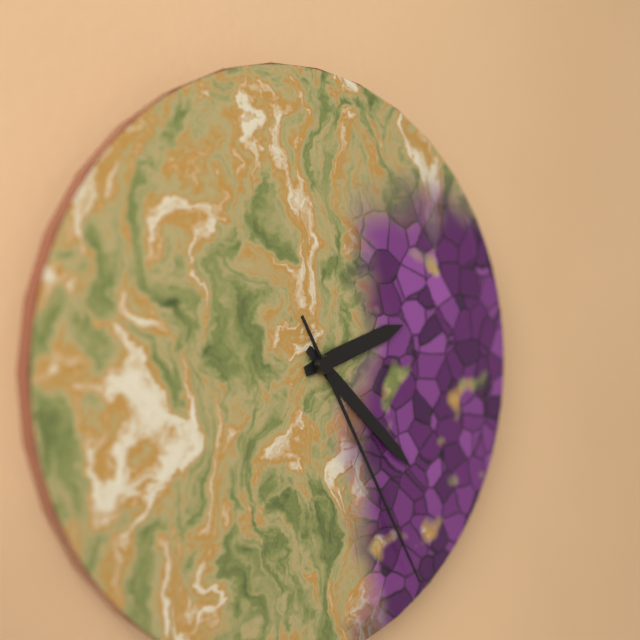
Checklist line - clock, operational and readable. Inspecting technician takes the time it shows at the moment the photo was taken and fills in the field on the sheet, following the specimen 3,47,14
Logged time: 2,22,25
